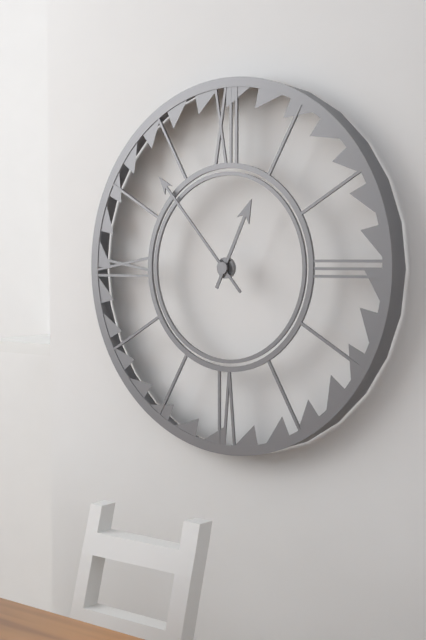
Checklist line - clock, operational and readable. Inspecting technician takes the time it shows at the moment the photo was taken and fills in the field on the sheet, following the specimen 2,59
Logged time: 12,53
